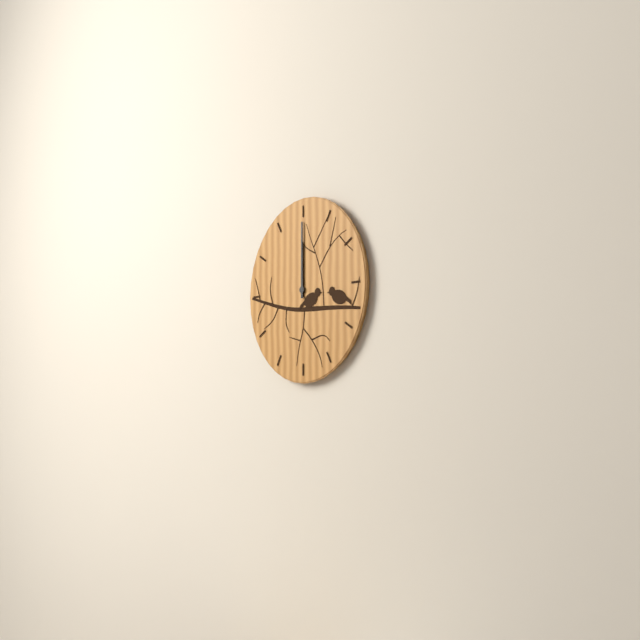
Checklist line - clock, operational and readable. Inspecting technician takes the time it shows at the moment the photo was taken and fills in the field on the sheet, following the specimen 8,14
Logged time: 12,00
